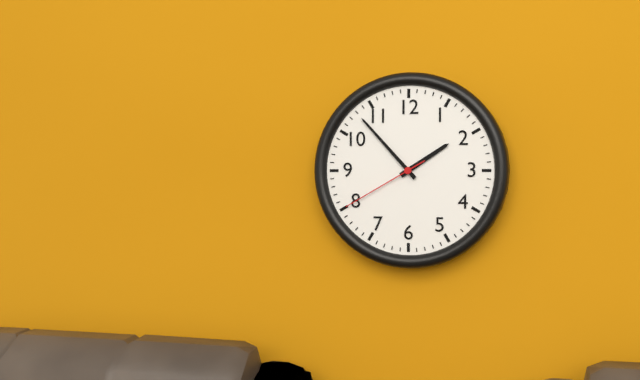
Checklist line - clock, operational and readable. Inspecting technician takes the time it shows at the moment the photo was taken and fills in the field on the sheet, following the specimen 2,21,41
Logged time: 1,53,40
